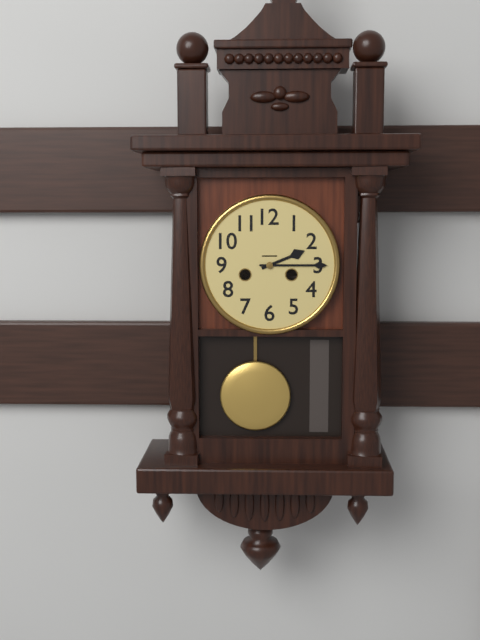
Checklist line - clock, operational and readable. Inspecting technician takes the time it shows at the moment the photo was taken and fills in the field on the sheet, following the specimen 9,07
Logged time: 2,15
